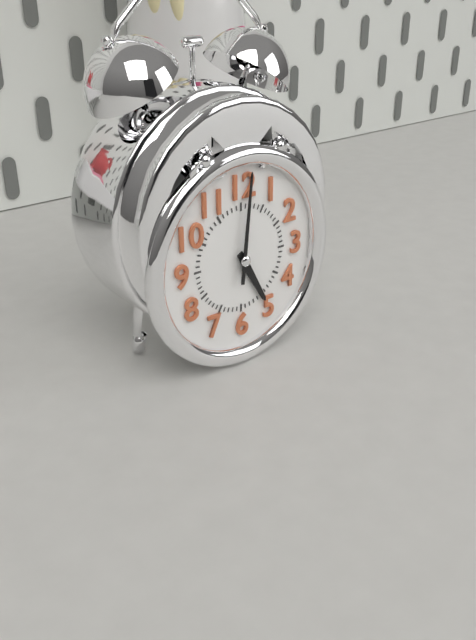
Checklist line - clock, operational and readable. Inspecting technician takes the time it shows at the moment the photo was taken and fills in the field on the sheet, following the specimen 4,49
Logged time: 5,01
